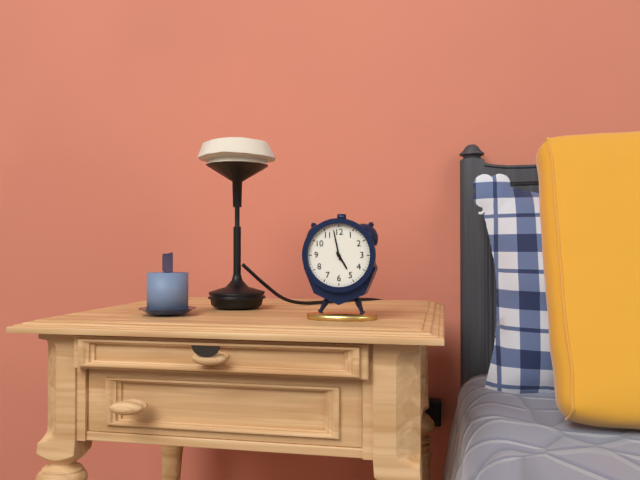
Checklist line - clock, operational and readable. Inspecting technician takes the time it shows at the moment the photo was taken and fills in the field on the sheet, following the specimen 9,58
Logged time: 4,58
